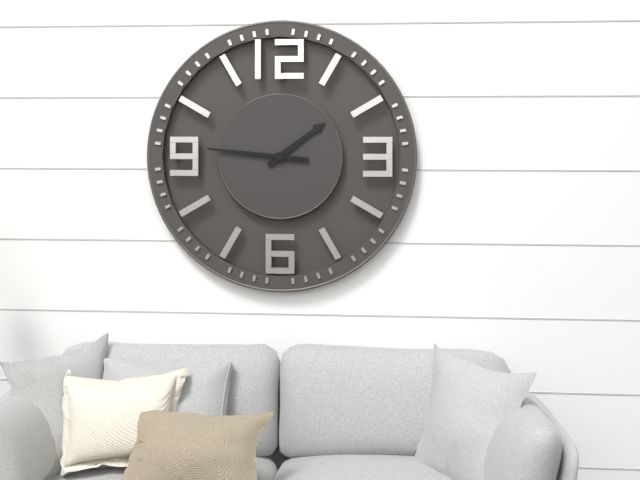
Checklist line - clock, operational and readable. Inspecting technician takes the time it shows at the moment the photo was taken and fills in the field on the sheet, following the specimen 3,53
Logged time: 1,46
